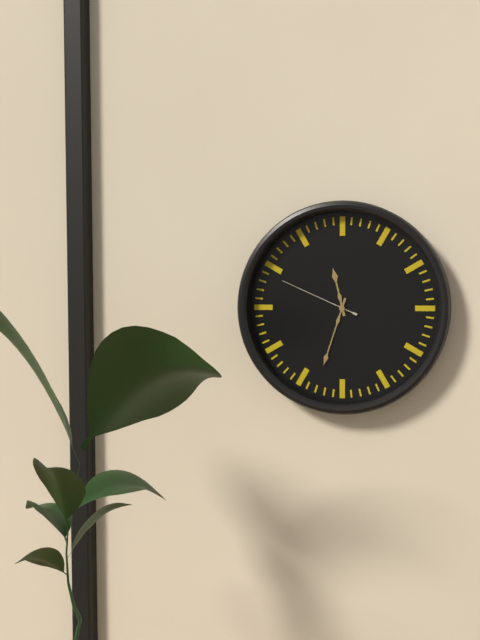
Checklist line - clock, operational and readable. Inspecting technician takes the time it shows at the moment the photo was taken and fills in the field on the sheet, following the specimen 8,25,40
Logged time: 11,33,49
